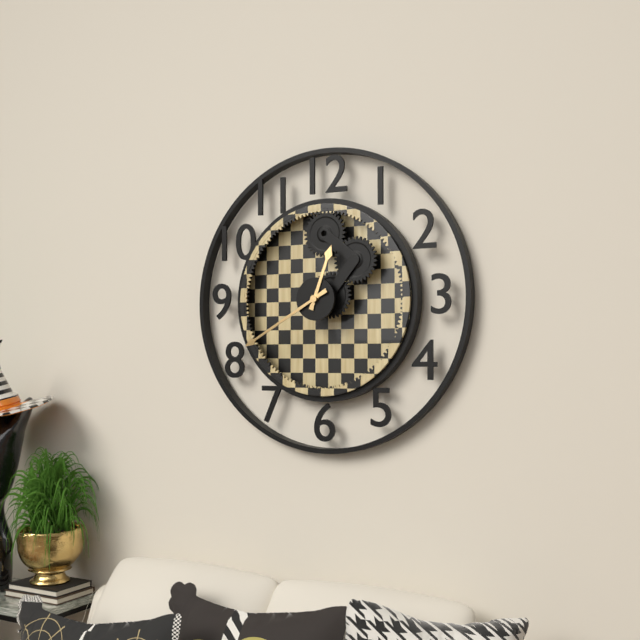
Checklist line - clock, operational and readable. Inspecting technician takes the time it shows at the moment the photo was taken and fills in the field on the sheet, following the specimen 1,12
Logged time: 12,40
